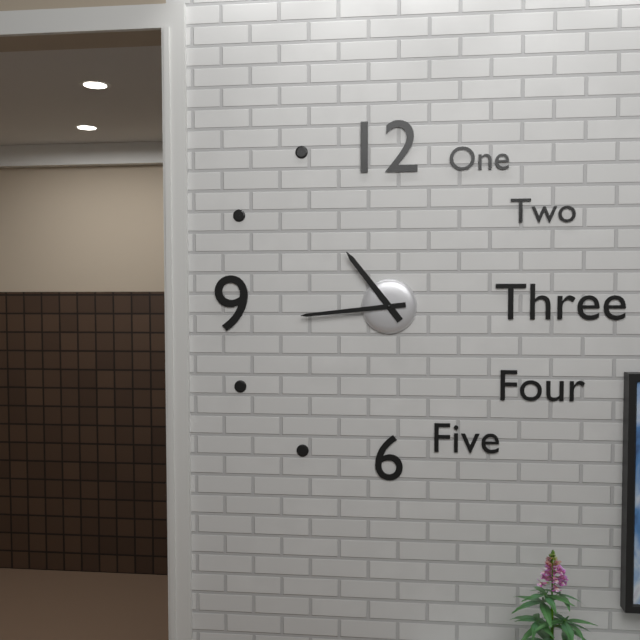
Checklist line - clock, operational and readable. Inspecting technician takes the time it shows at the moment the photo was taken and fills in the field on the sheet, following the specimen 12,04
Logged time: 10,44
